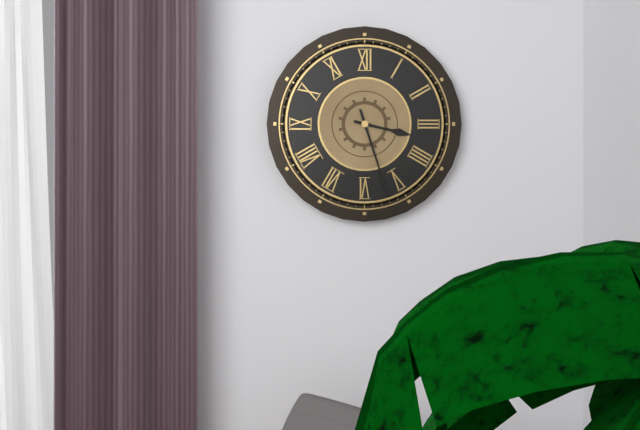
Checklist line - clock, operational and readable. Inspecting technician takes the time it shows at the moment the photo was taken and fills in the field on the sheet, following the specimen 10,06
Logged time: 3,27
